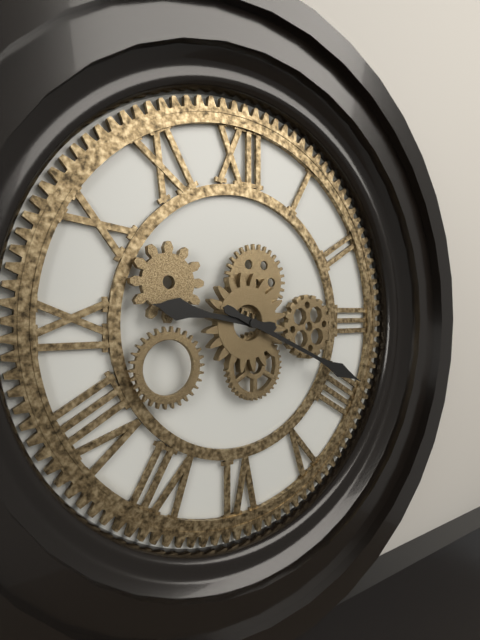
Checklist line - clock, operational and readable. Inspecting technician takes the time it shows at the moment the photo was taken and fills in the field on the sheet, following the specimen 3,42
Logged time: 9,19
